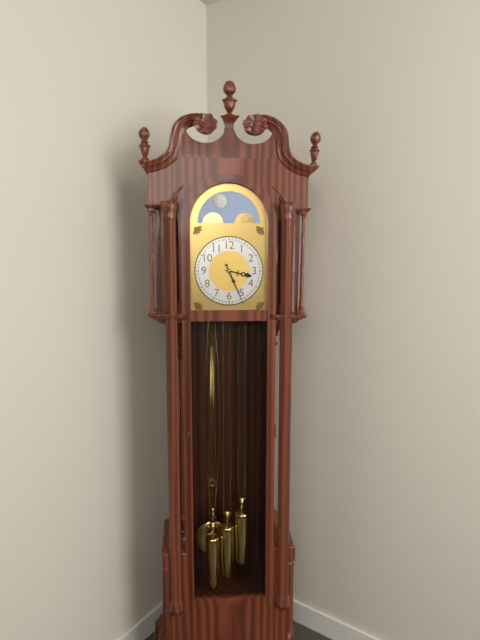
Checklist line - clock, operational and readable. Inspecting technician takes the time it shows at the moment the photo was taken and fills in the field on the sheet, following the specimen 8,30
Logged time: 3,26
